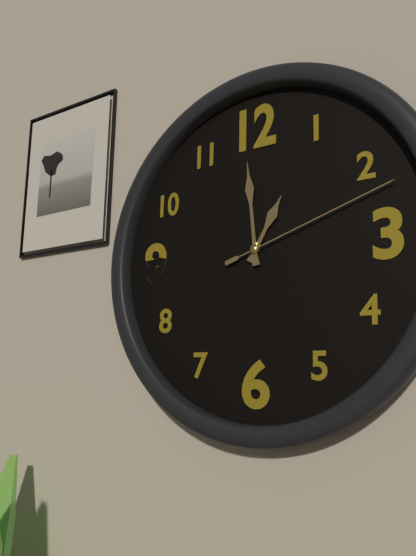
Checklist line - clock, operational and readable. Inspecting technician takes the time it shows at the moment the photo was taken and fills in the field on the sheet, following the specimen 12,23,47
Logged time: 12,59,12
